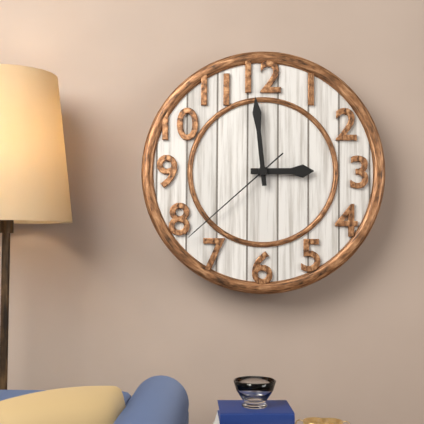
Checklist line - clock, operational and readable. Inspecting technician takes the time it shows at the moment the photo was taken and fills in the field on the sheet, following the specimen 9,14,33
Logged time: 2,59,38
